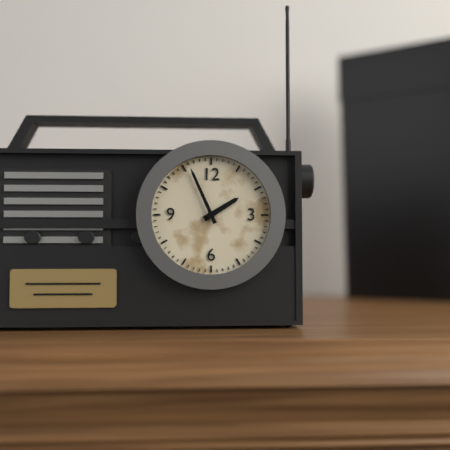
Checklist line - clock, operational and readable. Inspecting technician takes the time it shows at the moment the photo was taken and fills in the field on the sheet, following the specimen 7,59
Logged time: 1,56
